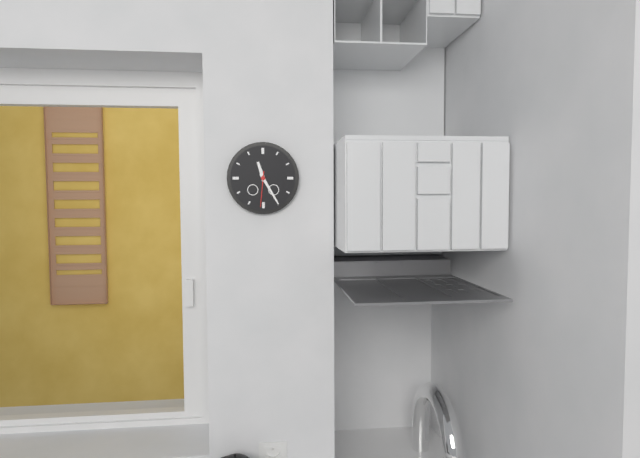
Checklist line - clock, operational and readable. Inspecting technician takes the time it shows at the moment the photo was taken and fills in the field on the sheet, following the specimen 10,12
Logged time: 11,25
